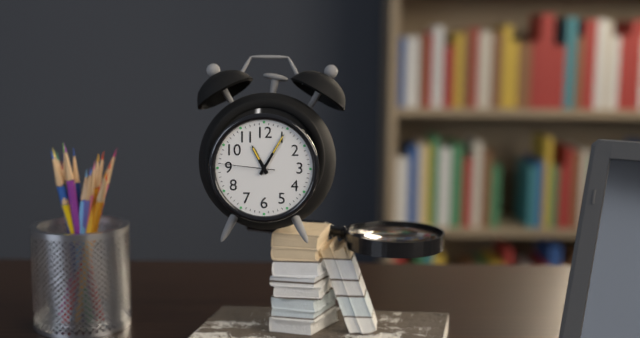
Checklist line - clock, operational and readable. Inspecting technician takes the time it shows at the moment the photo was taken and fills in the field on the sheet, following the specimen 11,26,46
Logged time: 11,05,46
